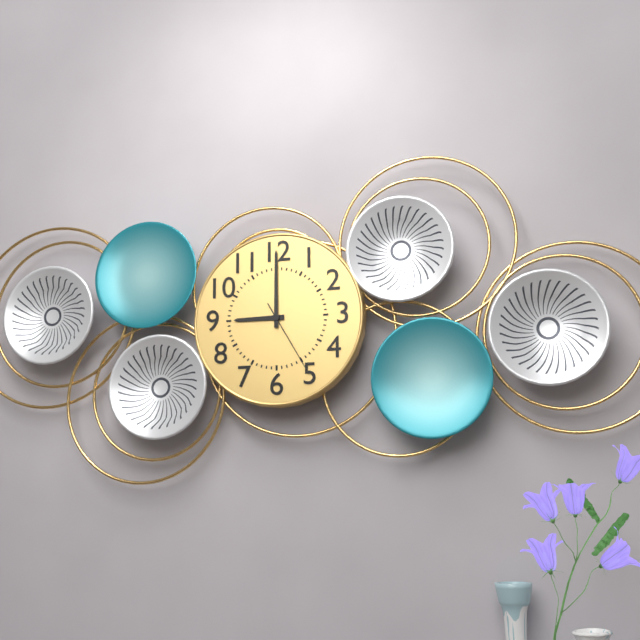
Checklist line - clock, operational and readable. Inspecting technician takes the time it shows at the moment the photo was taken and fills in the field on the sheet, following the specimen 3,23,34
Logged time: 9,00,25
